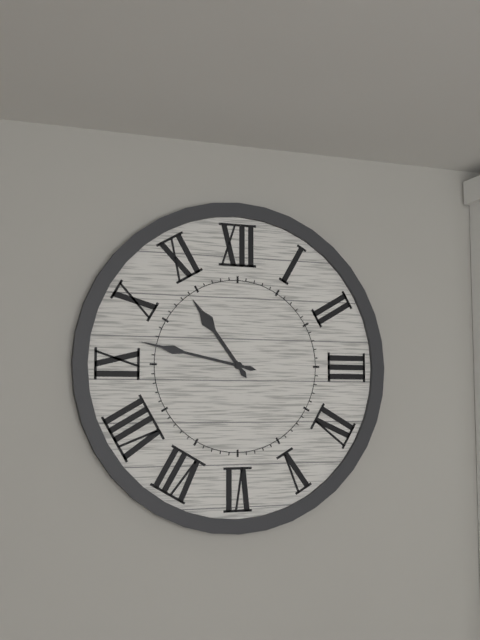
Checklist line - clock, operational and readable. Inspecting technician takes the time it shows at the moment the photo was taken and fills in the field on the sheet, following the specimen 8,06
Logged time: 10,47
